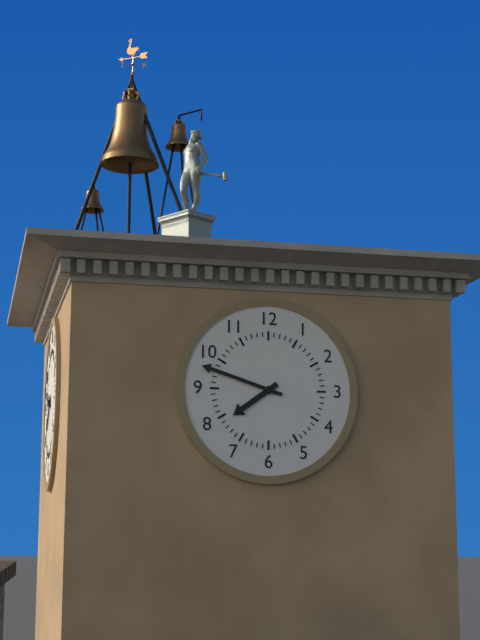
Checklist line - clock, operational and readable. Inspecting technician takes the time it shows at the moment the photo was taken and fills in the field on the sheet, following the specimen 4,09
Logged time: 7,48
